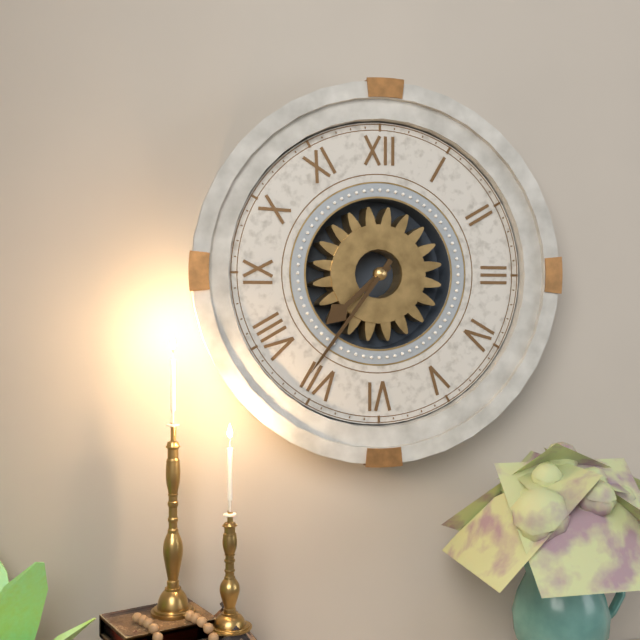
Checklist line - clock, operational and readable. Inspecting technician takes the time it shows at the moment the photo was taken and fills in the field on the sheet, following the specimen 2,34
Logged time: 7,36
